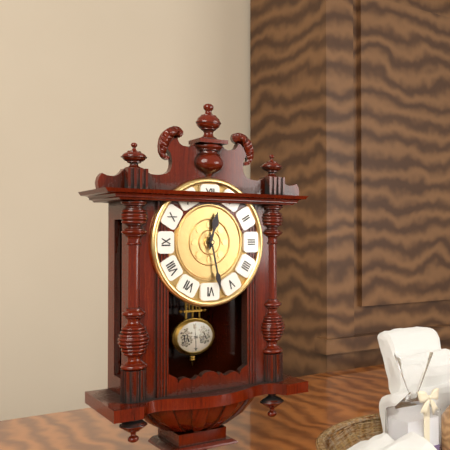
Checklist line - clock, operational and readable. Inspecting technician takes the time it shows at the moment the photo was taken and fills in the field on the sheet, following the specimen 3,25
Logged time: 12,28
